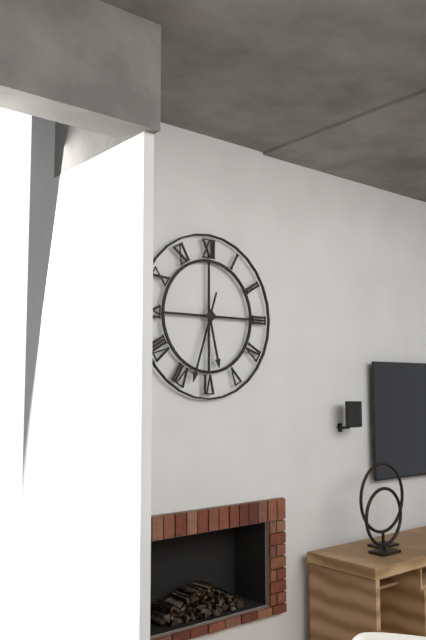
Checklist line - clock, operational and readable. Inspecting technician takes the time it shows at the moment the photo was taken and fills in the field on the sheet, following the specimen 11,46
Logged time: 5,33
